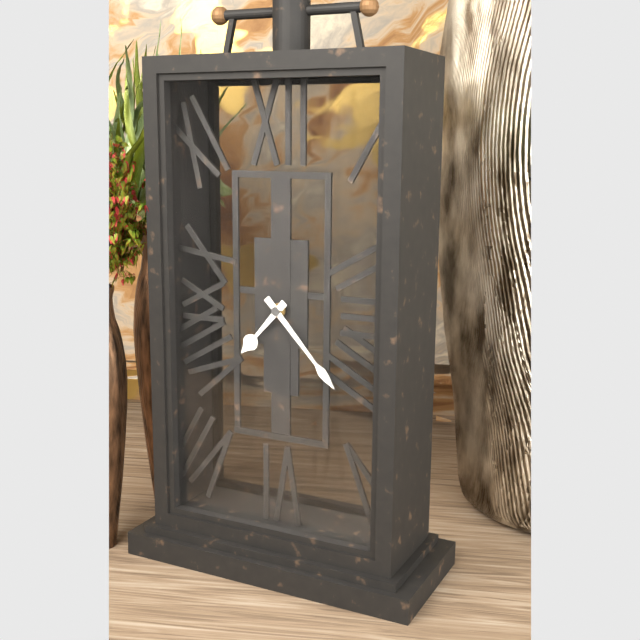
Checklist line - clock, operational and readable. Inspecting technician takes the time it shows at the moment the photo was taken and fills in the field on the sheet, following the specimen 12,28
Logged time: 7,23
